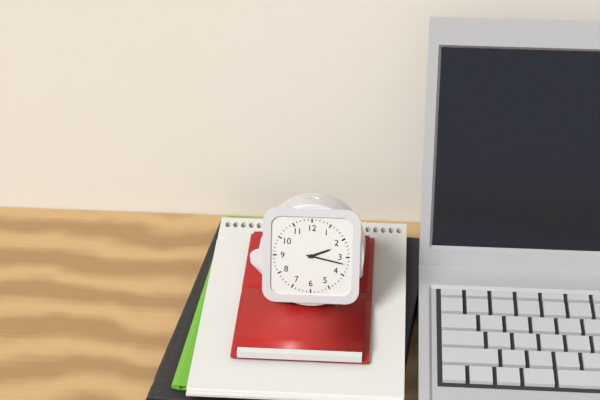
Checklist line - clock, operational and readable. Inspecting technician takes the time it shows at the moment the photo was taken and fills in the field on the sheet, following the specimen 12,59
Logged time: 2,17
